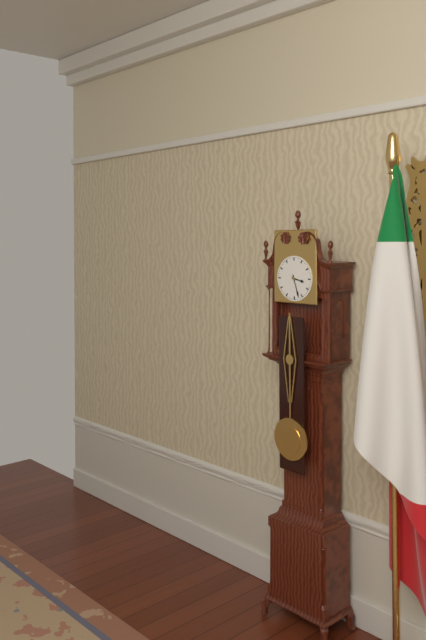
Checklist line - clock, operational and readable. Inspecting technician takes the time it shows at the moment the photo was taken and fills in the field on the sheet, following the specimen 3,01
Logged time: 3,27
